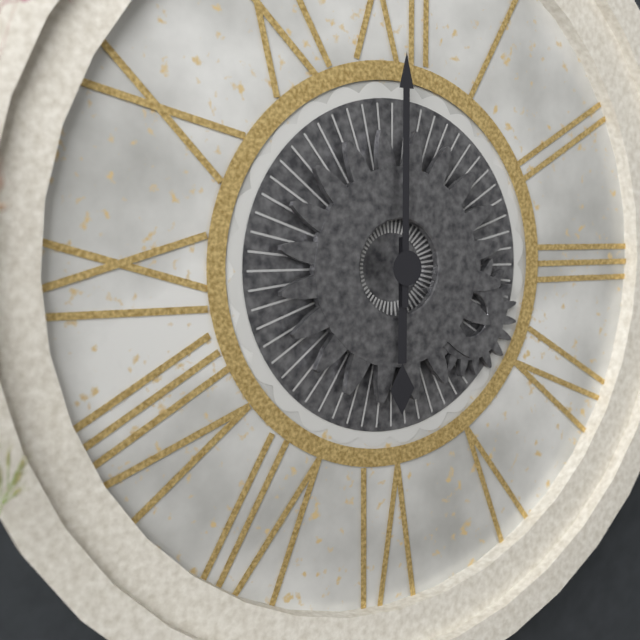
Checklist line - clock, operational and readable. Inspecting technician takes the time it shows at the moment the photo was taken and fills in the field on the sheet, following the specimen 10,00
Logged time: 6,00
